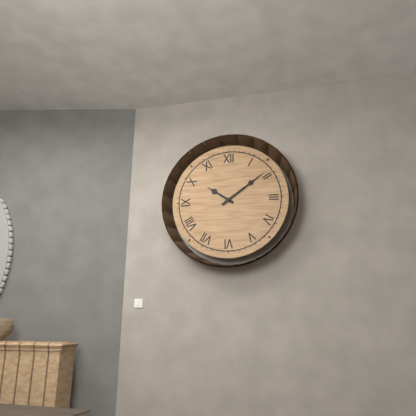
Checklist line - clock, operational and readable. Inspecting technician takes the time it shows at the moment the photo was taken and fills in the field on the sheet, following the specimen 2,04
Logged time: 10,09
